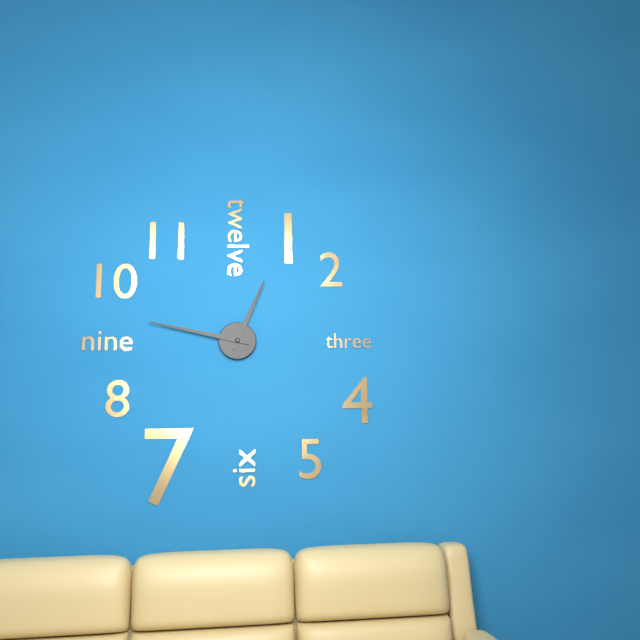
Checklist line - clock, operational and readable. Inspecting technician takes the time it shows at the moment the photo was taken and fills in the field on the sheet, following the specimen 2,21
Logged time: 12,47
